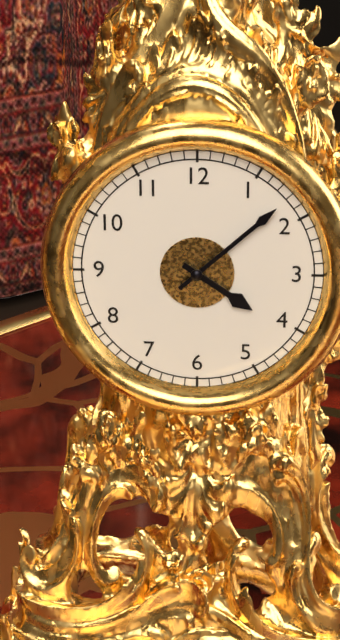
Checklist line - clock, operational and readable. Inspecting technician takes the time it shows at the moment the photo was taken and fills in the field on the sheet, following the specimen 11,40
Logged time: 4,08
